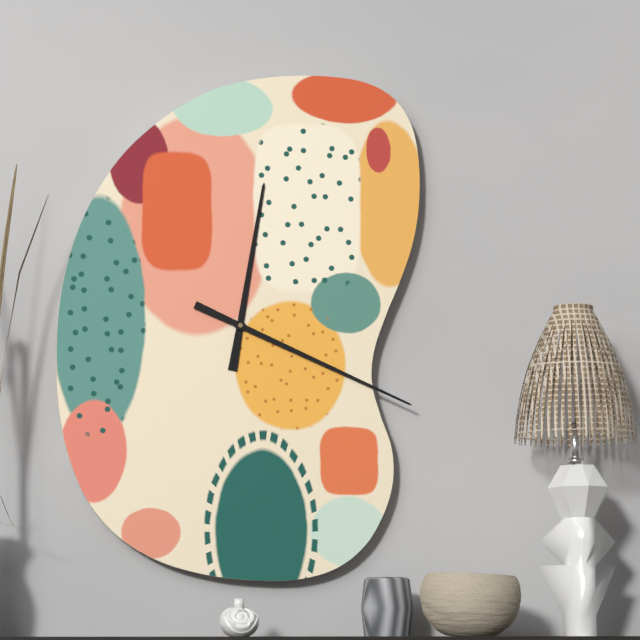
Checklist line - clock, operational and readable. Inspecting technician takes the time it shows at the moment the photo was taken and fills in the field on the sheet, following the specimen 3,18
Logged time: 12,19
